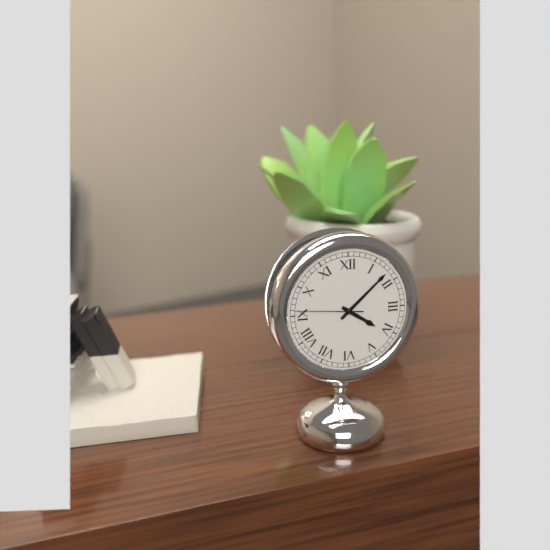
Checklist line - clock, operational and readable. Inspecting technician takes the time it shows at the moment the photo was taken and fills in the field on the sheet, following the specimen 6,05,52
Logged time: 4,08,46
